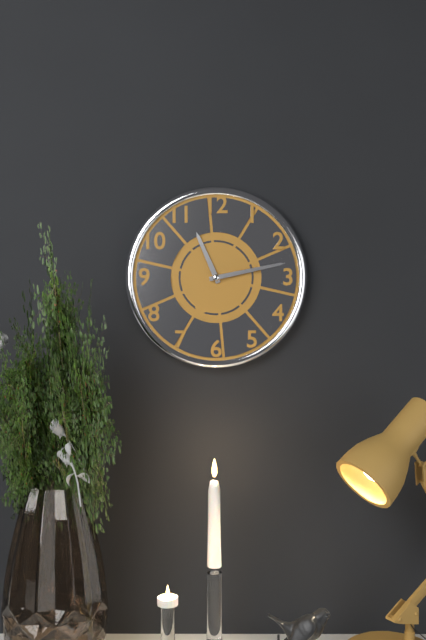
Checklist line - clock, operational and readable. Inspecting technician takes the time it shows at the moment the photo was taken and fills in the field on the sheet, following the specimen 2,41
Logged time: 11,13
